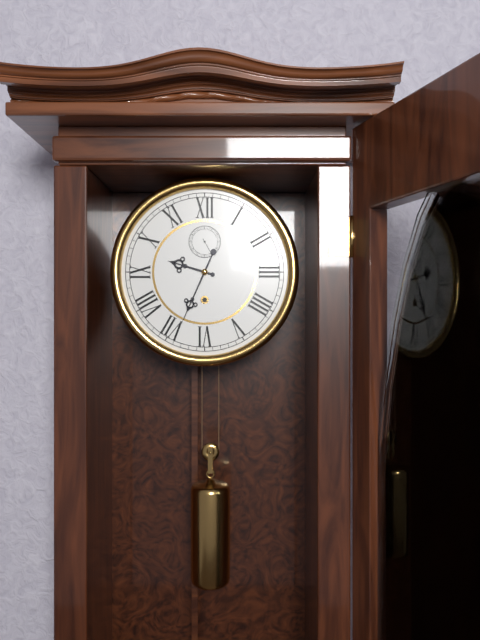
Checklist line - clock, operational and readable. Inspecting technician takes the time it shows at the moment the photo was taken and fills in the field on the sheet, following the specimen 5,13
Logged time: 9,34
